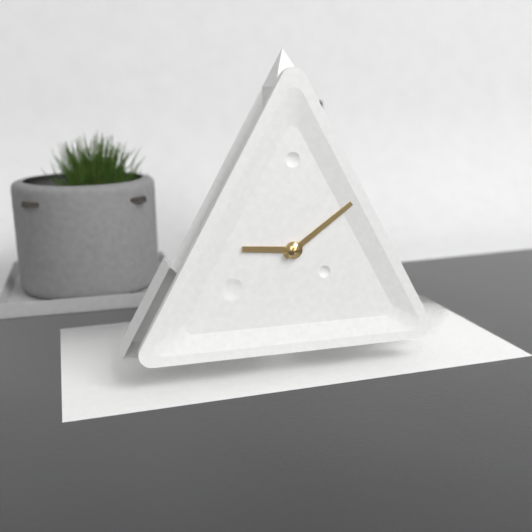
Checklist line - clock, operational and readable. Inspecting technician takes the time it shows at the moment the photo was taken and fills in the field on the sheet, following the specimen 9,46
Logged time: 9,09
